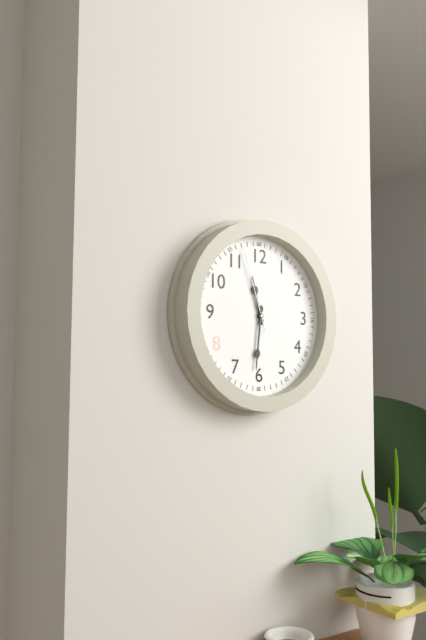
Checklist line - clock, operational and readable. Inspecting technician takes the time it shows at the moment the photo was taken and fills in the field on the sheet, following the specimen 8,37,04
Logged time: 11,31,57
